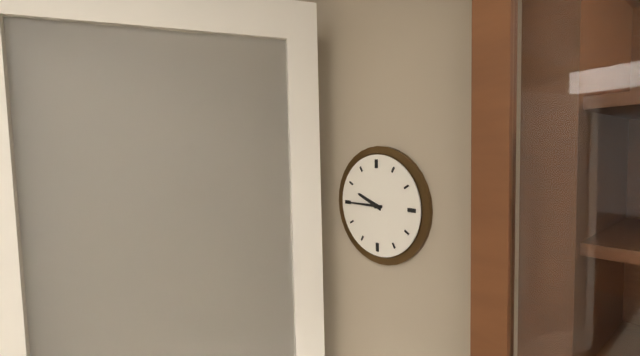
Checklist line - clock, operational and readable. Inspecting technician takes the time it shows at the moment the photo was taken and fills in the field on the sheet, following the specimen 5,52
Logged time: 9,45
